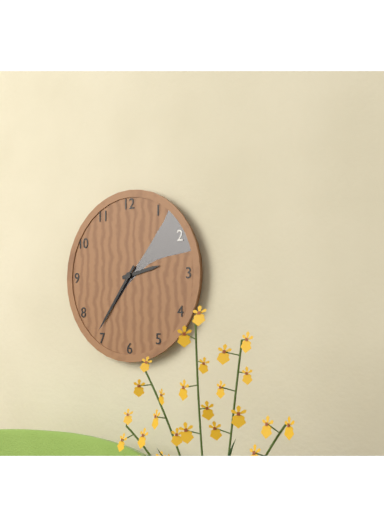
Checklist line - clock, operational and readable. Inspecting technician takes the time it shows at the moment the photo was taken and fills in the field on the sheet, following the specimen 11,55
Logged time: 2,36
